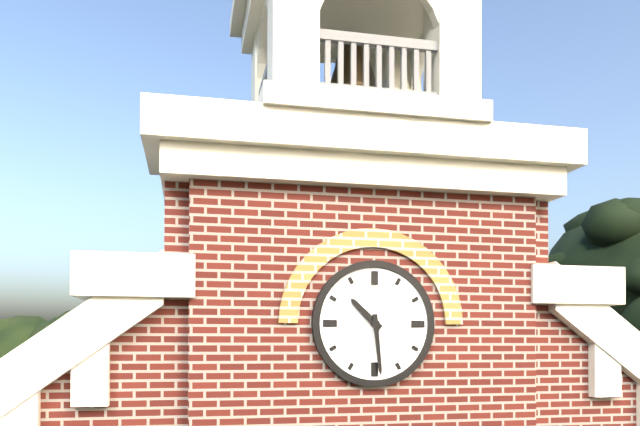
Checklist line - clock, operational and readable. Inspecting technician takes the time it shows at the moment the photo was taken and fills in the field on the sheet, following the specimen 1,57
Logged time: 10,29
